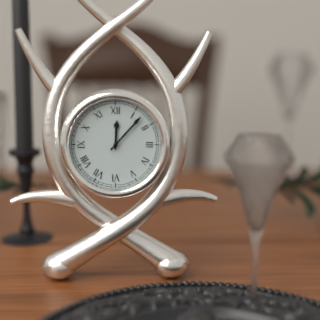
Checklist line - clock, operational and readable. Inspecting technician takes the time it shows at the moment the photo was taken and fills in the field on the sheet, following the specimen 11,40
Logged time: 12,07
